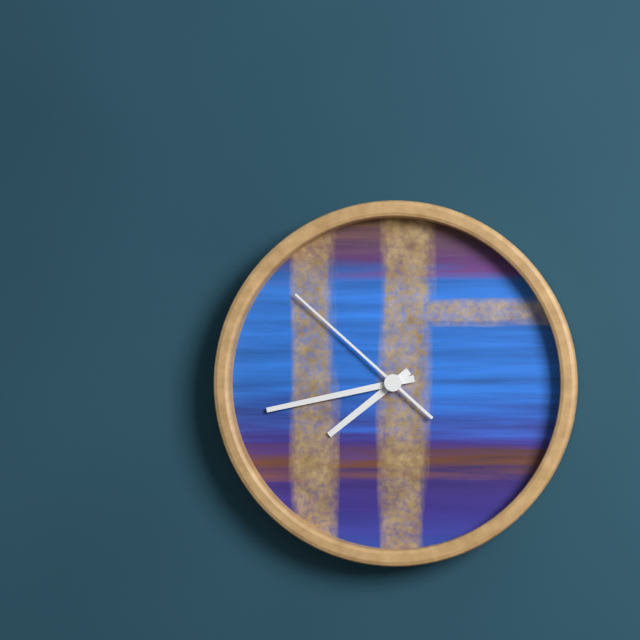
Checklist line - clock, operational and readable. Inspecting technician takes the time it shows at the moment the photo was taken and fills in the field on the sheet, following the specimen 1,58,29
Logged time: 7,43,52
